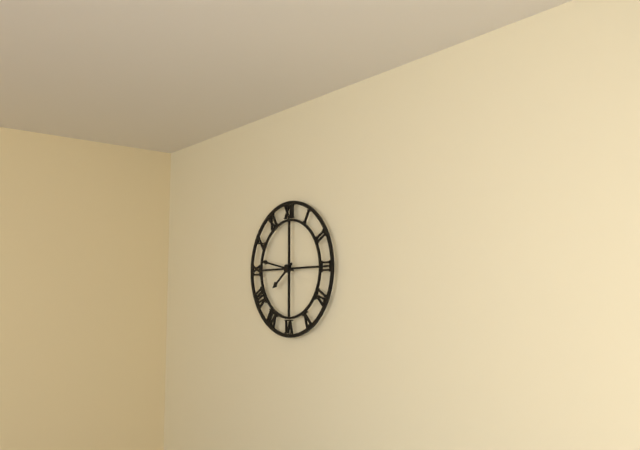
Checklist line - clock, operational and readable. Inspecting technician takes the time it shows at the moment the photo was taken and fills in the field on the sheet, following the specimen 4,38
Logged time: 7,47
